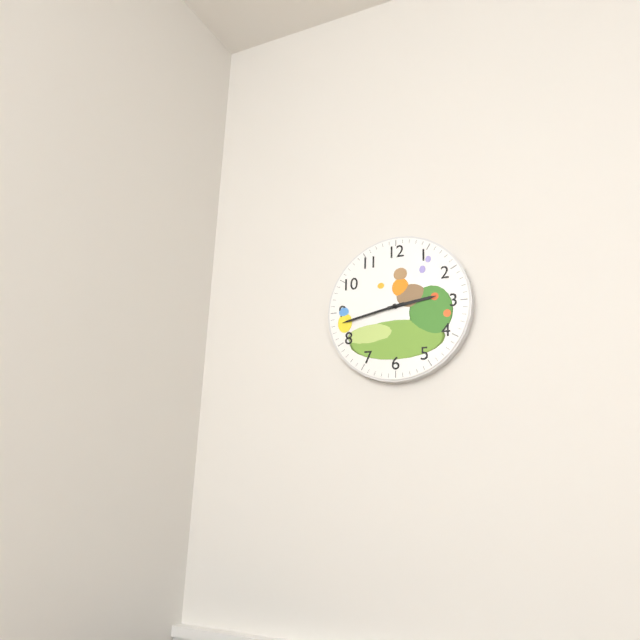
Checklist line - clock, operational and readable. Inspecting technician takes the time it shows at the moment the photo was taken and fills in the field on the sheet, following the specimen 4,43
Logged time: 2,43
